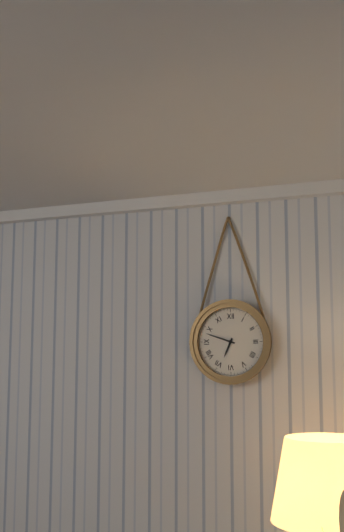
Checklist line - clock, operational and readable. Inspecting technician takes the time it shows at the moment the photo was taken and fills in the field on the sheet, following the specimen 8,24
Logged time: 6,48
